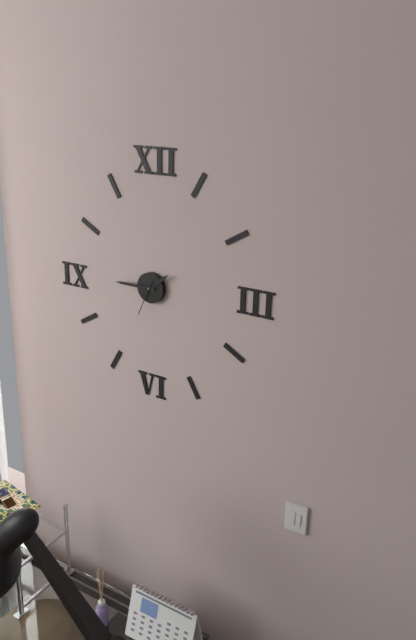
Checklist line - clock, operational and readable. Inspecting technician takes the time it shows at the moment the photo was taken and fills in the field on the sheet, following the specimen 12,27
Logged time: 1,45
